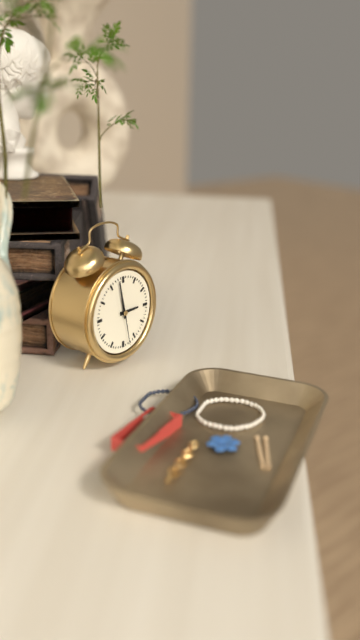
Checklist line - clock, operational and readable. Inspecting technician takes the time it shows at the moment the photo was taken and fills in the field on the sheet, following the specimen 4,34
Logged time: 2,58
